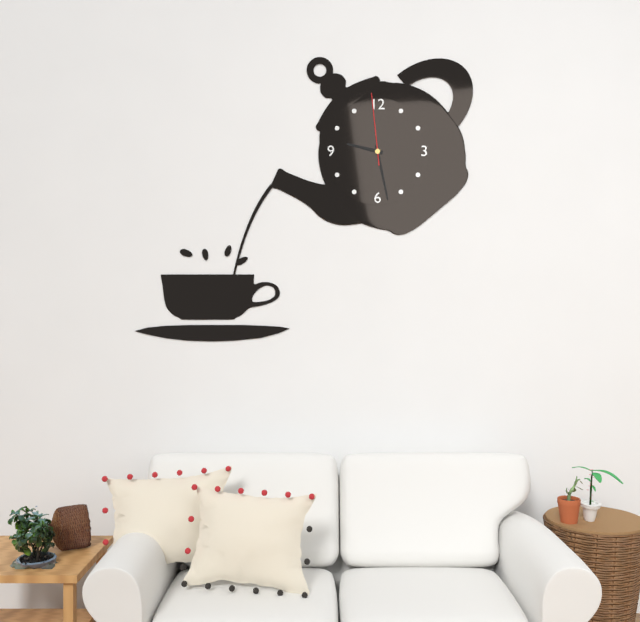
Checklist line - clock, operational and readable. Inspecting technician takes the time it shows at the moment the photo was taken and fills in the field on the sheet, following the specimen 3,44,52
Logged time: 9,28,59
